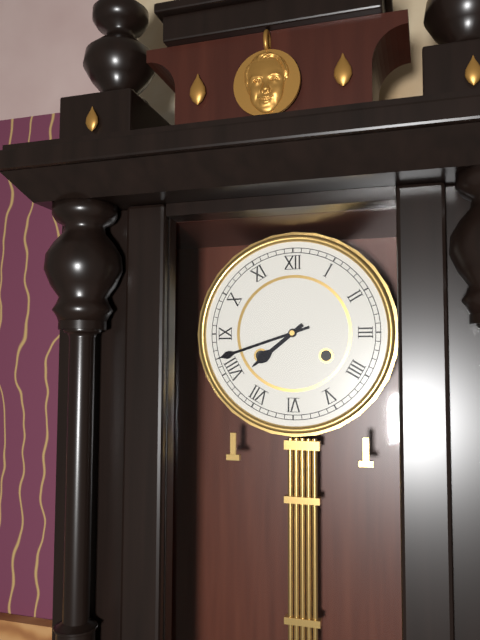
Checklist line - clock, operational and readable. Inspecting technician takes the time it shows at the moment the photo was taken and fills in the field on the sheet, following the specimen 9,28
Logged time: 7,42
